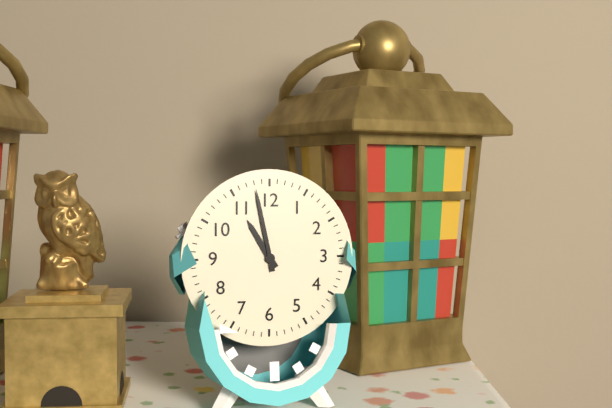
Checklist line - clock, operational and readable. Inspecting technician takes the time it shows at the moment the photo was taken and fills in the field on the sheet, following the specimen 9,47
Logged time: 10,58
